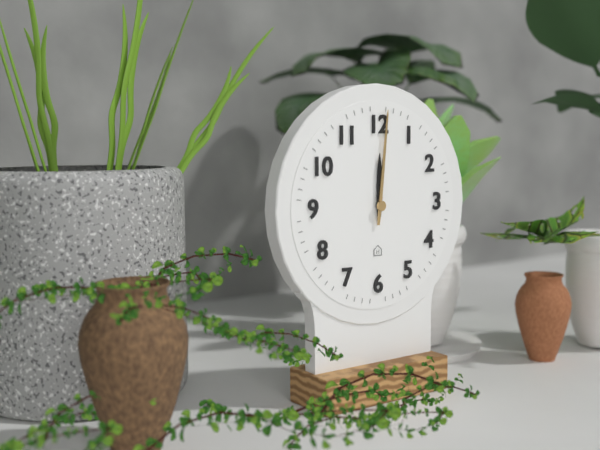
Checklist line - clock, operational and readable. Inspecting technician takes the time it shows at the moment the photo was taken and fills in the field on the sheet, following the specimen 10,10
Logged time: 12,01
